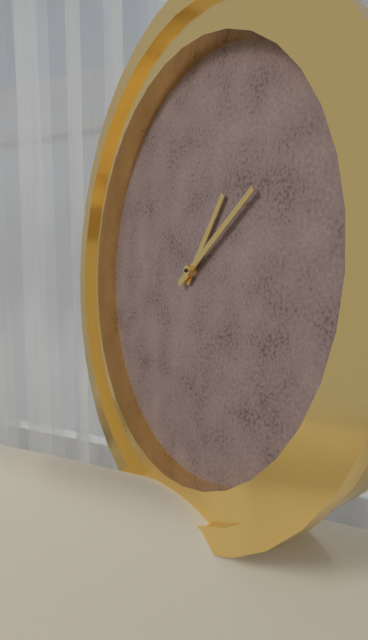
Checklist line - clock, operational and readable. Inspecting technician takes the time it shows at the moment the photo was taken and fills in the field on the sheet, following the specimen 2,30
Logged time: 1,09
